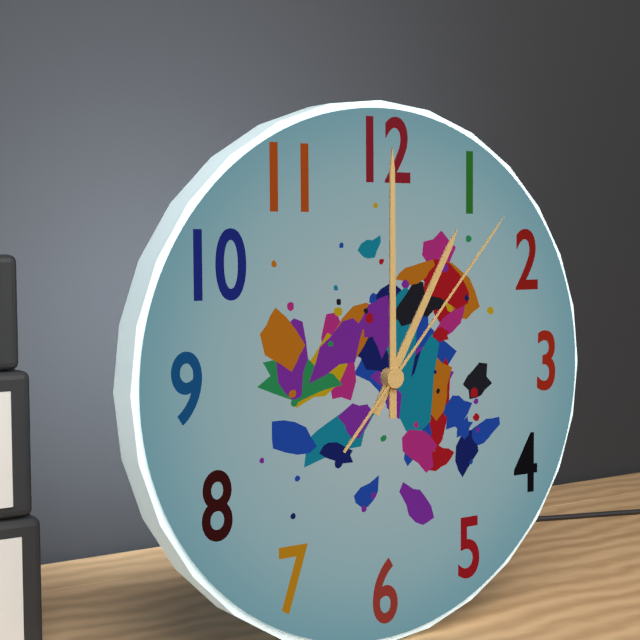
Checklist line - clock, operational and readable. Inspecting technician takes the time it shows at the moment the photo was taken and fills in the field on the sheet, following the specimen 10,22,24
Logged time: 1,00,07
